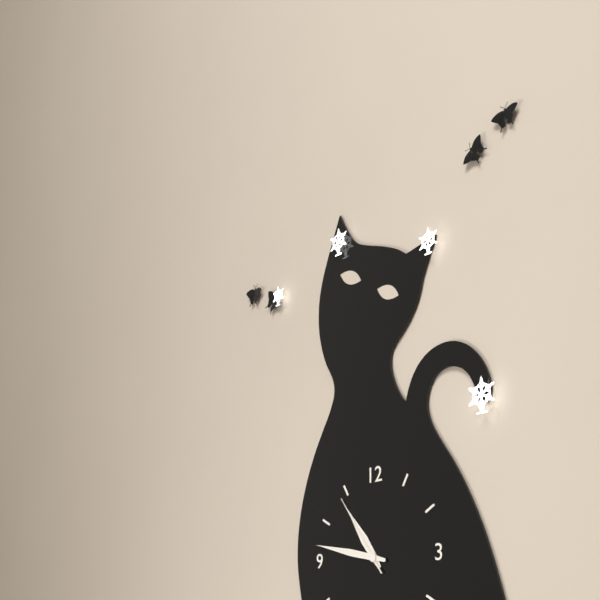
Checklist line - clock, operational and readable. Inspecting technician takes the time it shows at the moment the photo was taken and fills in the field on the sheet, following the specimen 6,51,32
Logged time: 10,47,54
